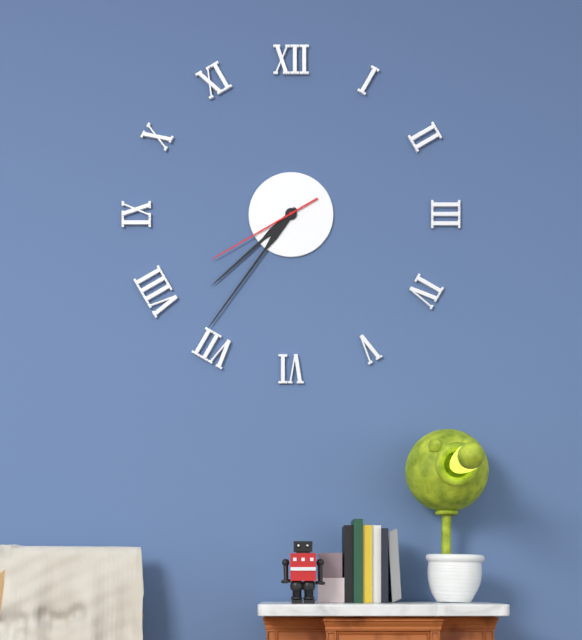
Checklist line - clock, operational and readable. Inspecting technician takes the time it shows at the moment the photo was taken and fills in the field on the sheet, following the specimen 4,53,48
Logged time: 7,36,40
